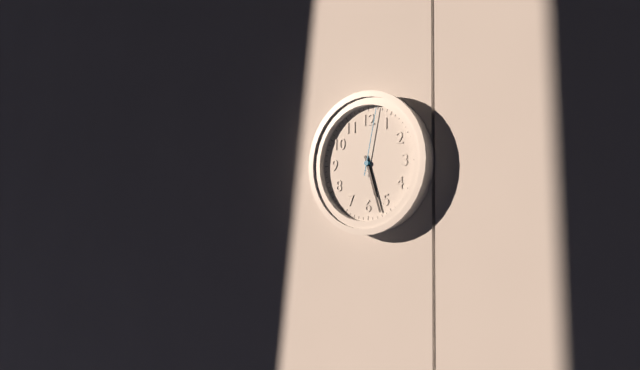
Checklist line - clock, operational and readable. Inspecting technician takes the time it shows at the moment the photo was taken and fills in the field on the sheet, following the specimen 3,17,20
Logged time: 5,27,02
